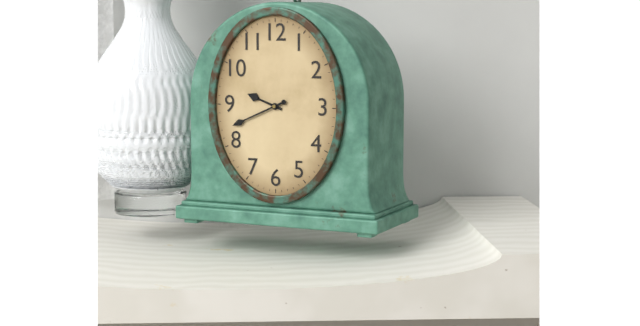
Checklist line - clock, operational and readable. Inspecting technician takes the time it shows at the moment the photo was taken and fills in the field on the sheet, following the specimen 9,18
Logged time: 9,41
